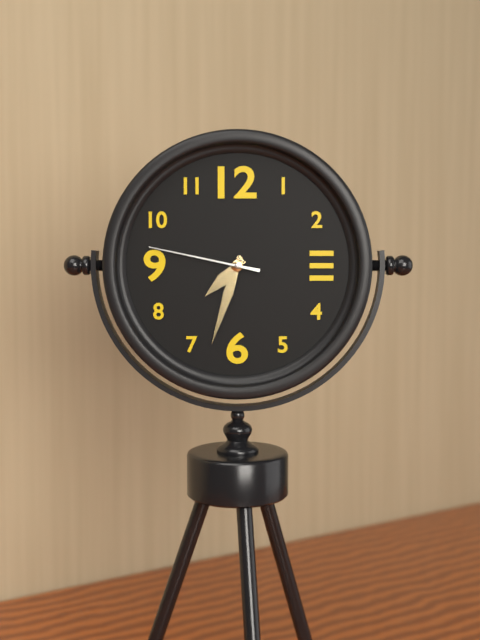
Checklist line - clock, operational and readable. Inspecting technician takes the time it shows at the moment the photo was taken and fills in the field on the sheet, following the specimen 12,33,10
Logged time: 7,33,47
